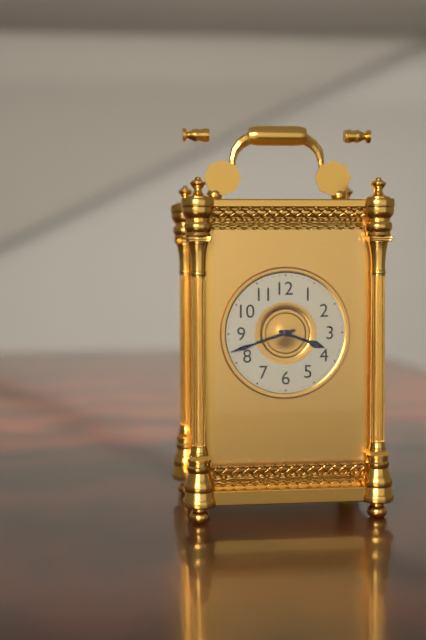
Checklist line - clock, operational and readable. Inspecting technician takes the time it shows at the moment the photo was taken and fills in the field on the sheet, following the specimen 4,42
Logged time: 3,42
